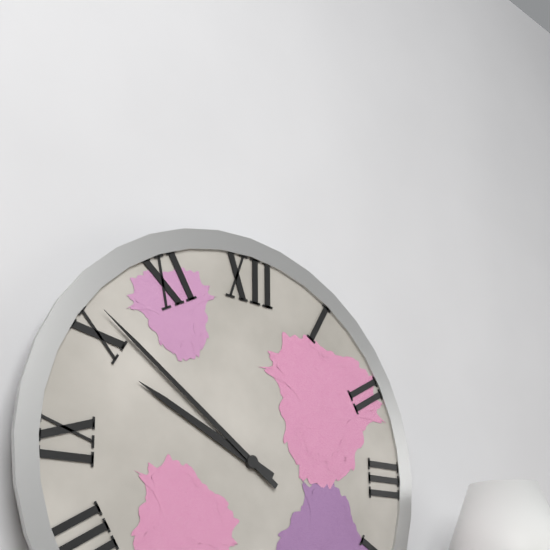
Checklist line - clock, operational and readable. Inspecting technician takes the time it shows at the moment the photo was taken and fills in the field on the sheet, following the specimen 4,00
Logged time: 9,51
